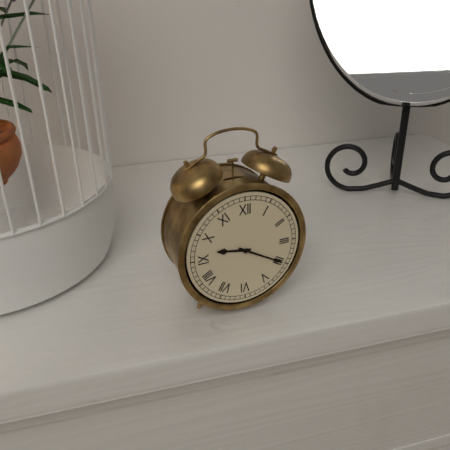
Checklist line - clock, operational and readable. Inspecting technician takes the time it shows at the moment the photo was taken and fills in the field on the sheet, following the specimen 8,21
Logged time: 9,20
